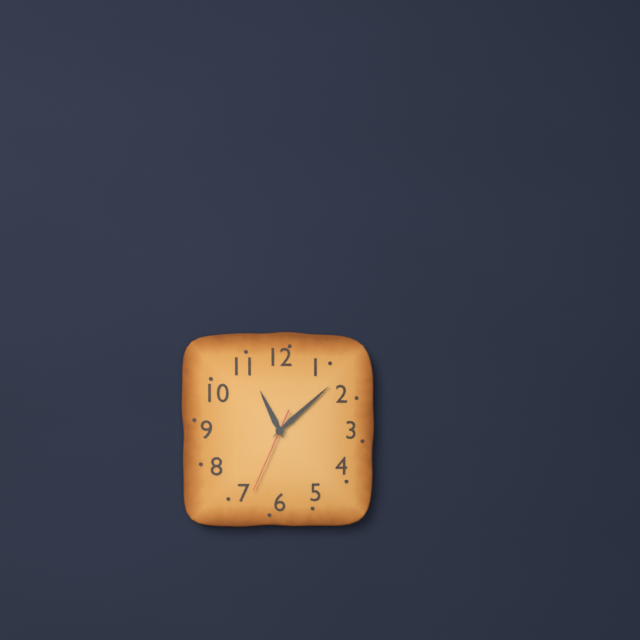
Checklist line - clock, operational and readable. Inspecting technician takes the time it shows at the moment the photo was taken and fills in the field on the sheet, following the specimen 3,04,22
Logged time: 11,08,34
